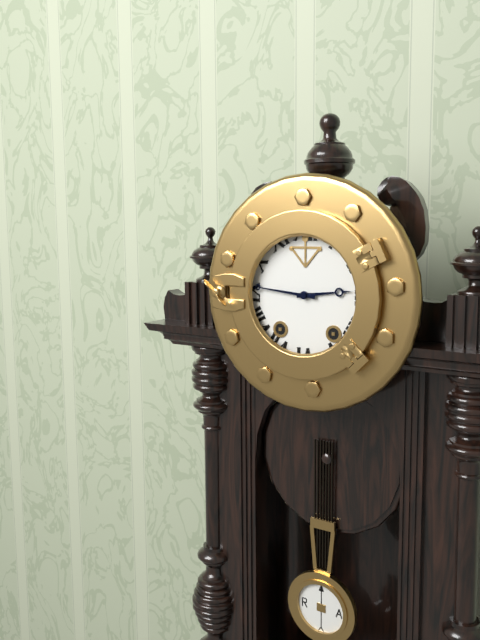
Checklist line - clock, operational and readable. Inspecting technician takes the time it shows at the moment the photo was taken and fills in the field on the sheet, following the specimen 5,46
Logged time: 2,46
